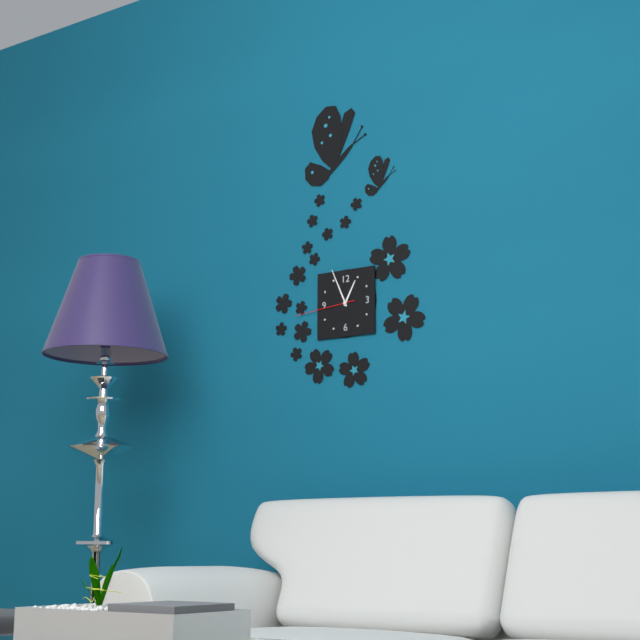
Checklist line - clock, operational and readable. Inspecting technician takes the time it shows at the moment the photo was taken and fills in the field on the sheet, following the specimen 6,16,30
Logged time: 12,56,44
